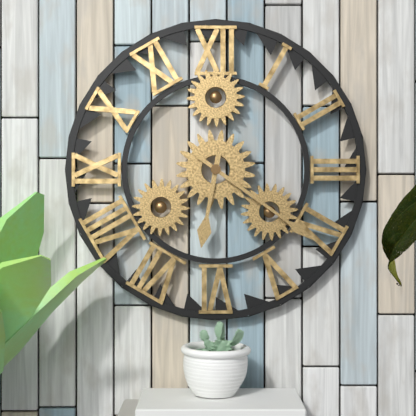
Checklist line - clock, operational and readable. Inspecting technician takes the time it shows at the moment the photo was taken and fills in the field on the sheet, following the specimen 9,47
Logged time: 6,21
